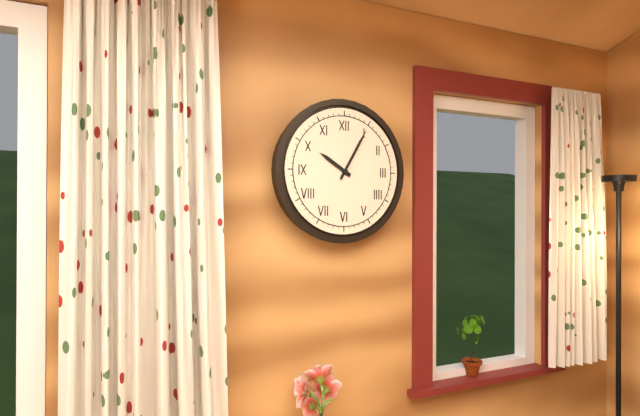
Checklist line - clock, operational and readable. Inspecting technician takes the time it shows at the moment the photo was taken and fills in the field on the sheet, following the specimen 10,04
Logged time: 10,05
